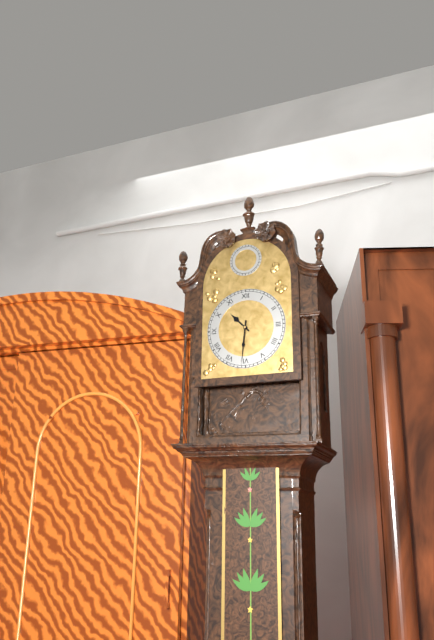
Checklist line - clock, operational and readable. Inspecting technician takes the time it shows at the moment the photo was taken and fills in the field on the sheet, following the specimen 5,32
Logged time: 10,31
